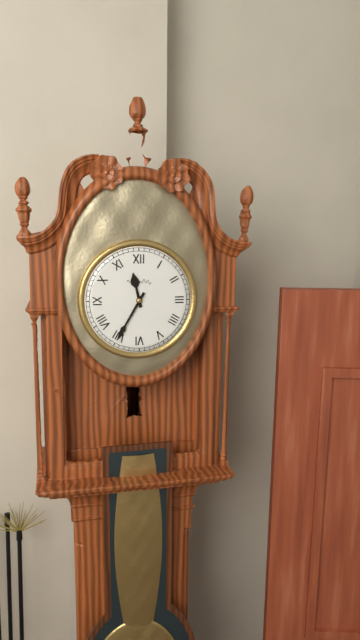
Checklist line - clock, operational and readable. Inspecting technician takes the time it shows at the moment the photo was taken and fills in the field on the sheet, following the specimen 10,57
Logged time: 11,35
